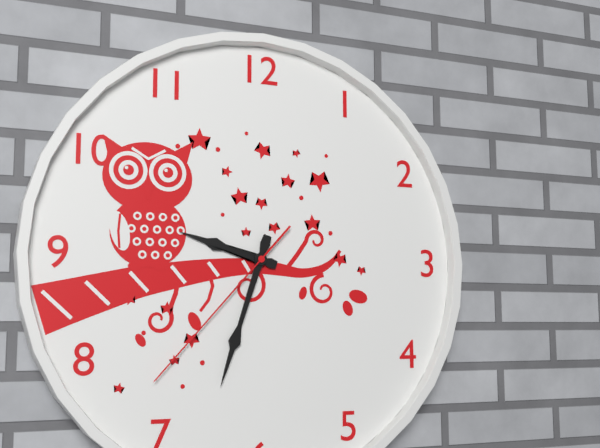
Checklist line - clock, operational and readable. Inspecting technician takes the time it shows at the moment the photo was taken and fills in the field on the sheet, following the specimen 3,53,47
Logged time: 9,33,37
